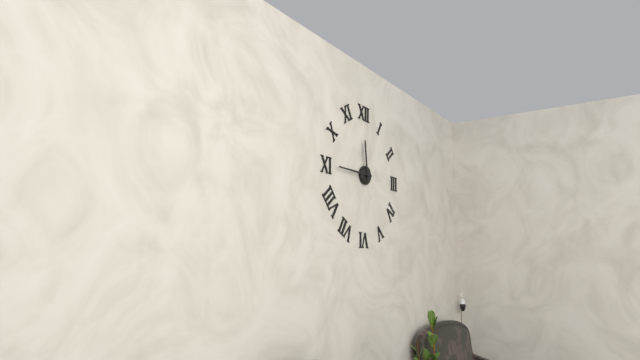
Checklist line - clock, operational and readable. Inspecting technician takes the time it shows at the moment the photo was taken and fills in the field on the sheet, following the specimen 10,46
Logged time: 11,45
